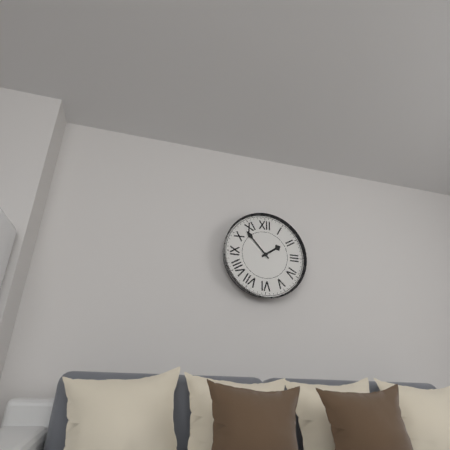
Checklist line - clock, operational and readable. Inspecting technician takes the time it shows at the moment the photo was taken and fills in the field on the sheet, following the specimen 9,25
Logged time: 1,53
